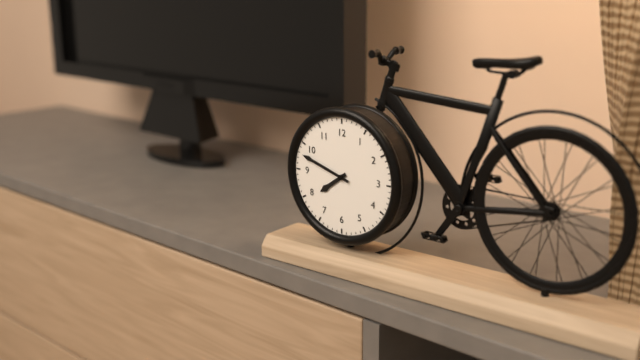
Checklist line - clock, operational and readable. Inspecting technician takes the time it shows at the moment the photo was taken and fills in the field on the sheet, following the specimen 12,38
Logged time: 7,48
